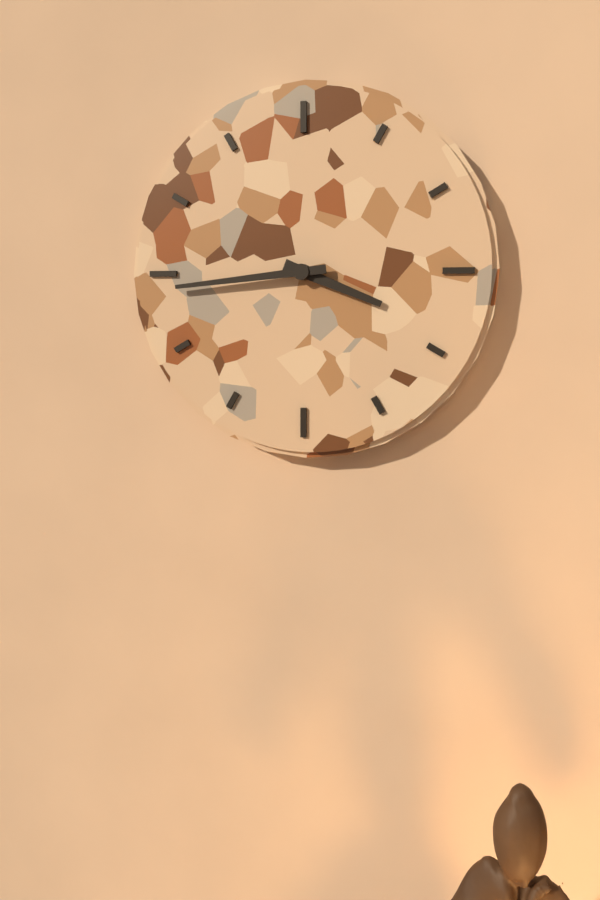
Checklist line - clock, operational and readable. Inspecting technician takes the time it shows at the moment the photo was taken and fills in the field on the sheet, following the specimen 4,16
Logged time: 3,44
